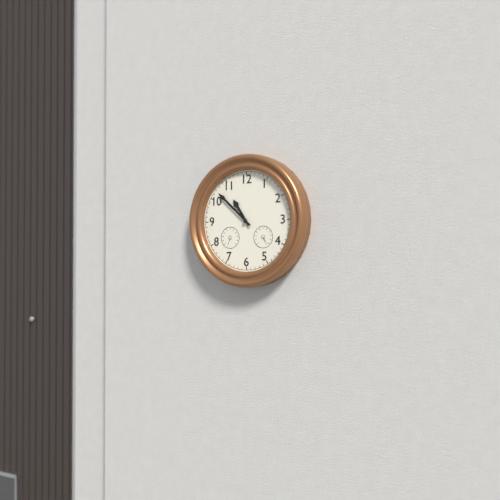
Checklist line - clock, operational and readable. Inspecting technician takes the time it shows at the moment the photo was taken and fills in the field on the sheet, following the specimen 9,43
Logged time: 10,52
